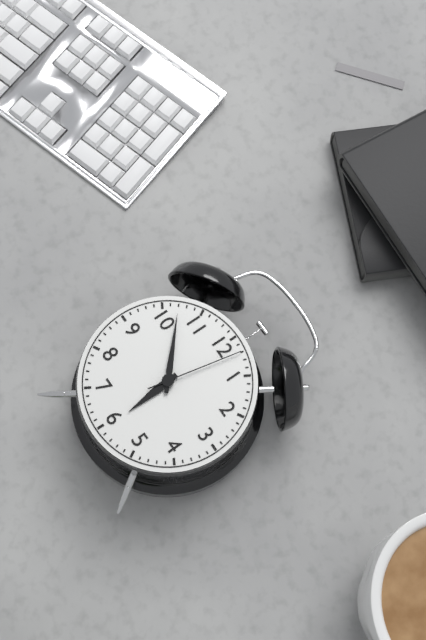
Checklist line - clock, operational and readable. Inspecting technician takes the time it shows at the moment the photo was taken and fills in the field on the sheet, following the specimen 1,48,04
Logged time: 5,52,02
